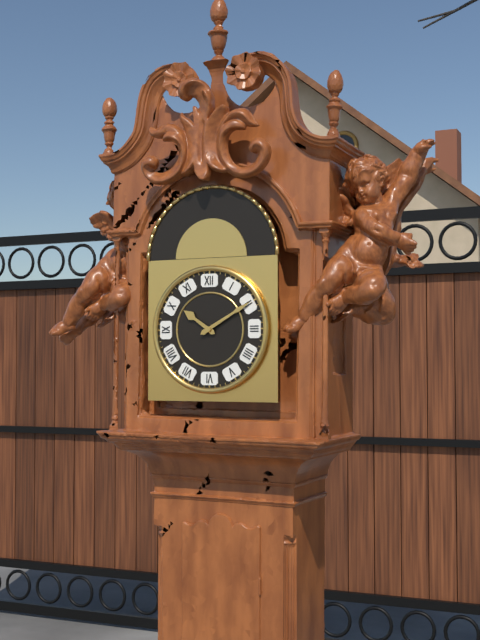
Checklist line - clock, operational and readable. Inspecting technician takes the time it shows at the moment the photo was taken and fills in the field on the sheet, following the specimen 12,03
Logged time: 10,10
